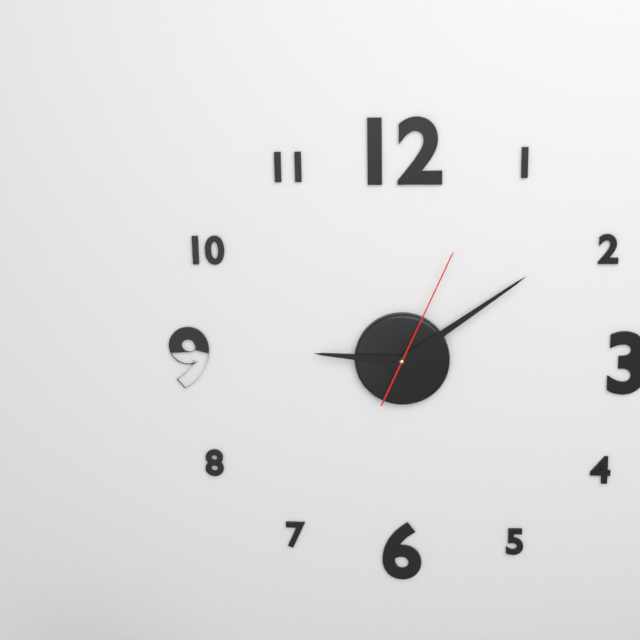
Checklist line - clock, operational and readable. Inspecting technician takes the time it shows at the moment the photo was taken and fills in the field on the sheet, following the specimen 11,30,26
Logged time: 9,09,04
